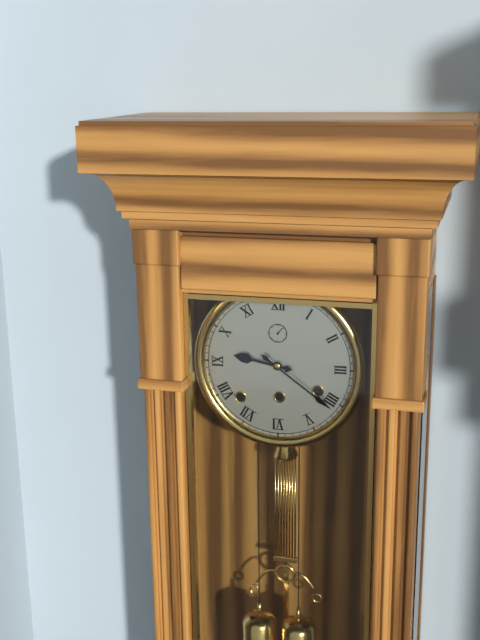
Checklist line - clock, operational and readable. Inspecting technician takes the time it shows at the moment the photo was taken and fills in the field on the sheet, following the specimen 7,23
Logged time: 9,21
